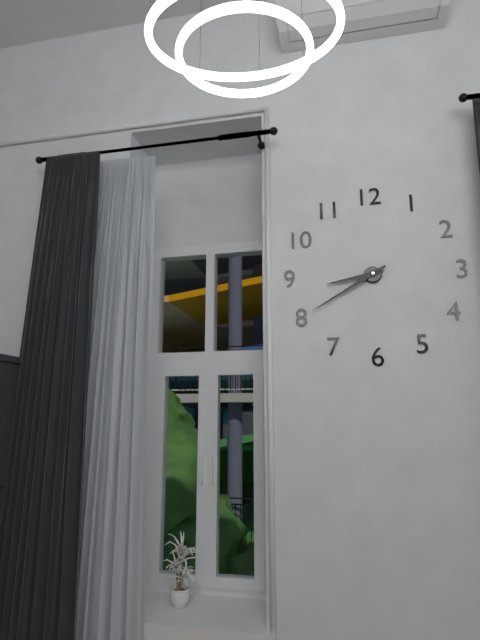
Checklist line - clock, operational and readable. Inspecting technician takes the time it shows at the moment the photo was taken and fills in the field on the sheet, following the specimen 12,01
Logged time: 8,40
